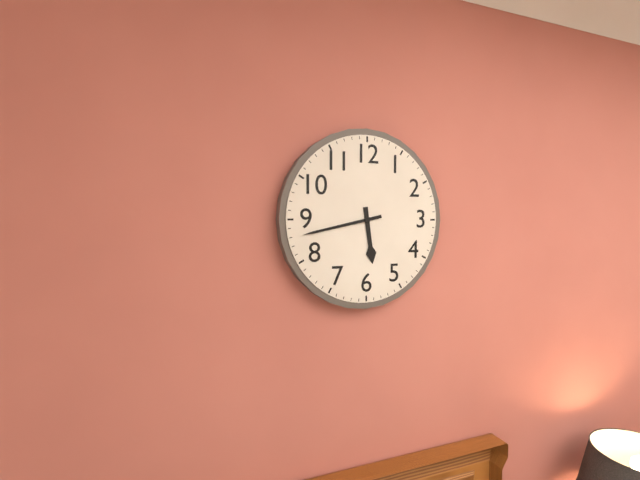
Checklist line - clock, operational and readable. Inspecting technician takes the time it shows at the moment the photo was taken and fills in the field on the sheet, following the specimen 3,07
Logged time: 5,43
